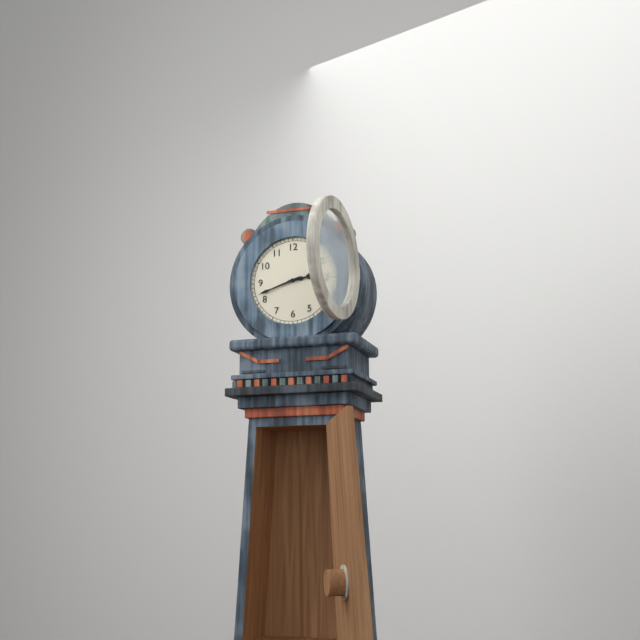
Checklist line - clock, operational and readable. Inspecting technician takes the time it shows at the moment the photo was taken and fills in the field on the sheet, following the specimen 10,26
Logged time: 2,42
